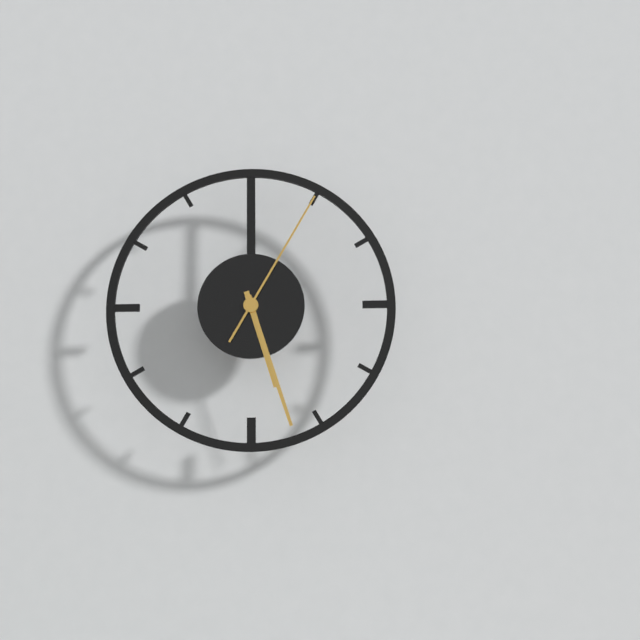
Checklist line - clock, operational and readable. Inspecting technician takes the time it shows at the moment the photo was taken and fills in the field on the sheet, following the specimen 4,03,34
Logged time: 5,27,05
